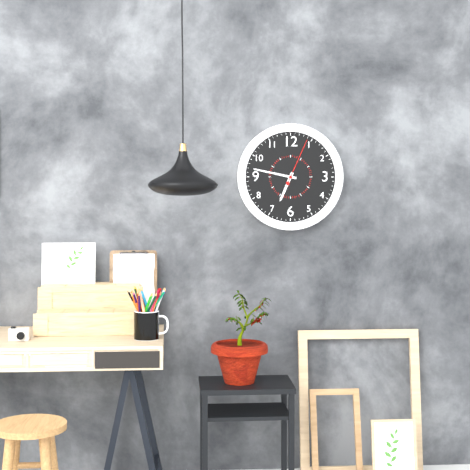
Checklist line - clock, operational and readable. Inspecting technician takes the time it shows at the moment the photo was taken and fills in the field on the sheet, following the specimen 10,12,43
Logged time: 6,47,04
